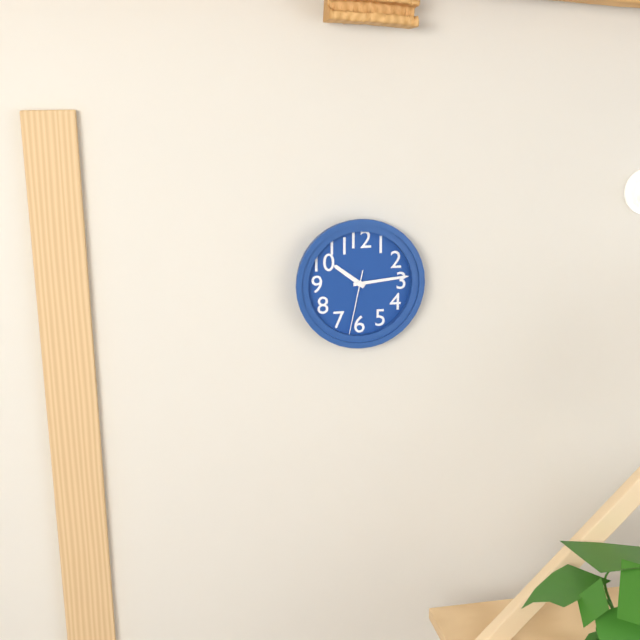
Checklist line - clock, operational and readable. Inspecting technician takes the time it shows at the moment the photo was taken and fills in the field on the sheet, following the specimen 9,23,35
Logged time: 10,14,32
